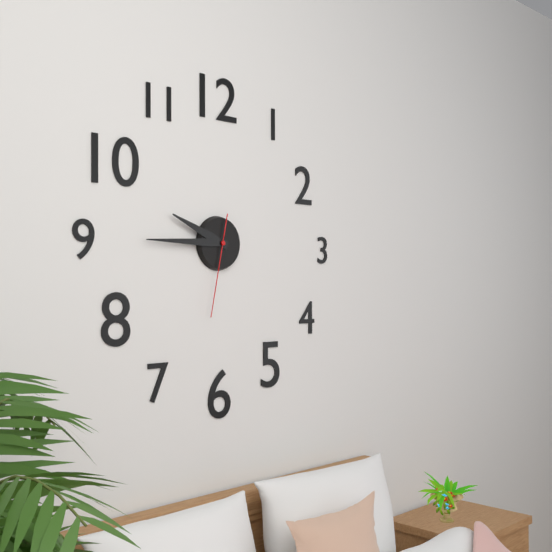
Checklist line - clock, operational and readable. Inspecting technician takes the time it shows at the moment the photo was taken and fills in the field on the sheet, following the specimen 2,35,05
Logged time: 9,45,32
